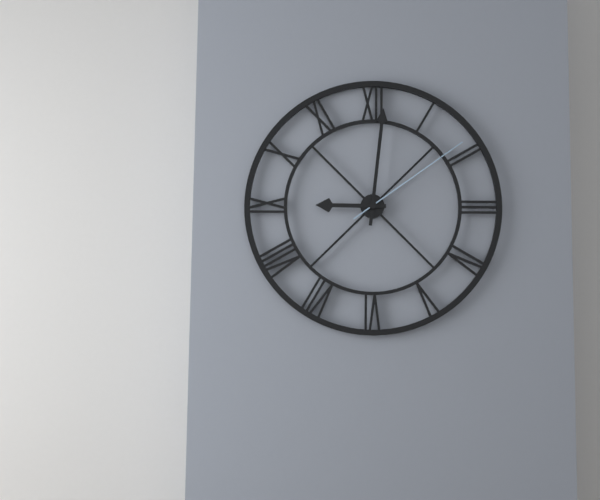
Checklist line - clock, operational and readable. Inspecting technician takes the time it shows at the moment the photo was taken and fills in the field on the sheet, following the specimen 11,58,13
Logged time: 9,01,09
